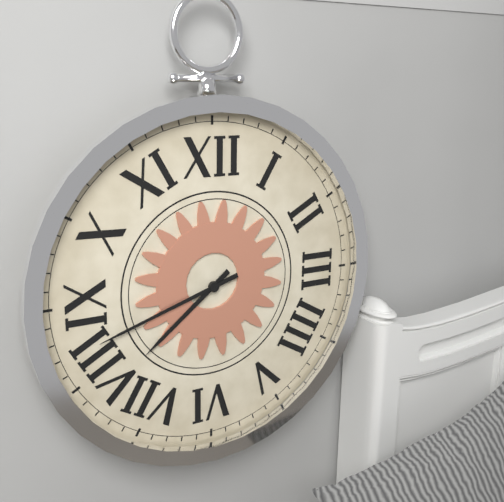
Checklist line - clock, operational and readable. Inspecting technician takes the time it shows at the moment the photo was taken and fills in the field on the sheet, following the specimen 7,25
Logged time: 7,42
